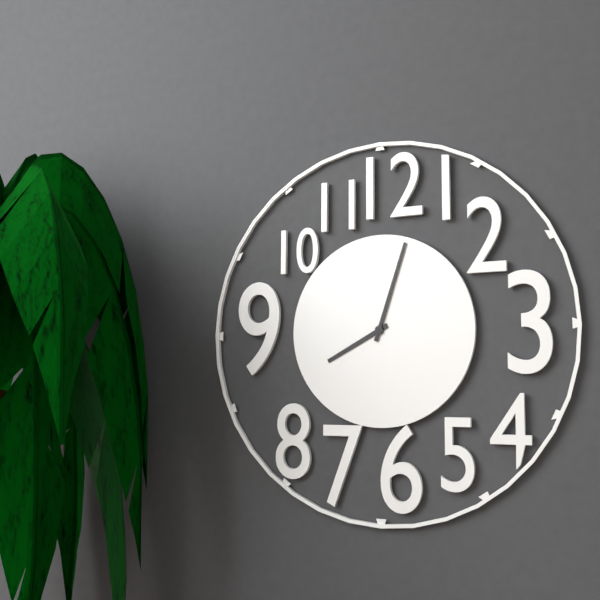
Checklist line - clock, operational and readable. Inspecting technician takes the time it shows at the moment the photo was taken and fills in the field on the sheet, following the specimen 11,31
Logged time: 8,03
